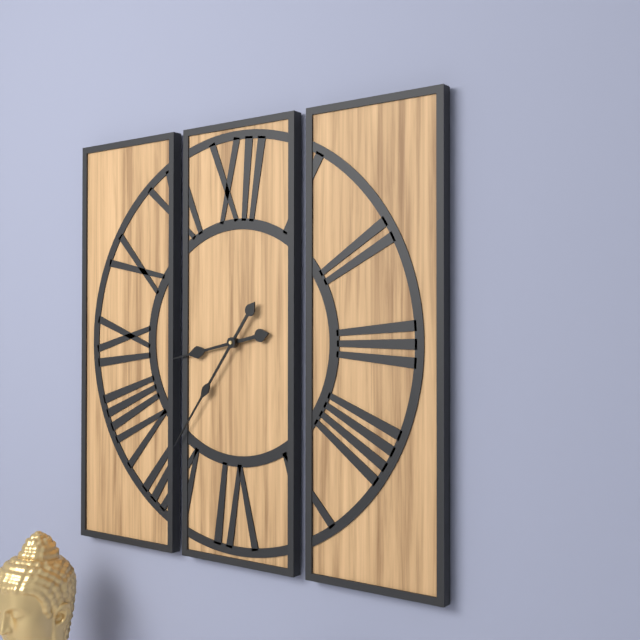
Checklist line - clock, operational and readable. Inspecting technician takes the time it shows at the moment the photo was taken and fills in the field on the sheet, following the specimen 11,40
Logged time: 8,36
